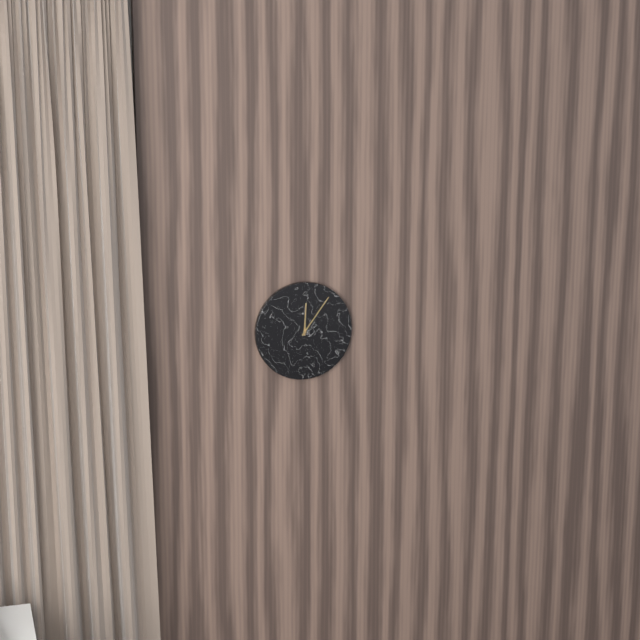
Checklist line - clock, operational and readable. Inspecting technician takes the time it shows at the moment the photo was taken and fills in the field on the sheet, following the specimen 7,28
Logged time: 12,06
